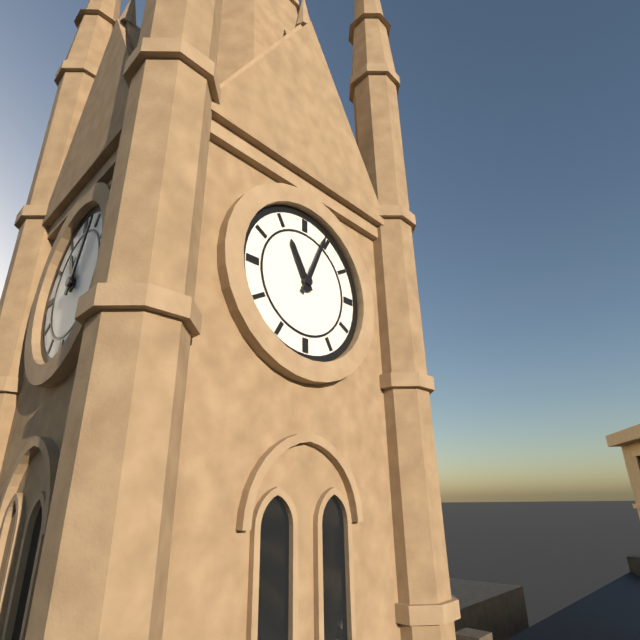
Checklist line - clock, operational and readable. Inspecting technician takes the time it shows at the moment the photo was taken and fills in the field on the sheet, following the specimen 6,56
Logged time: 11,04
